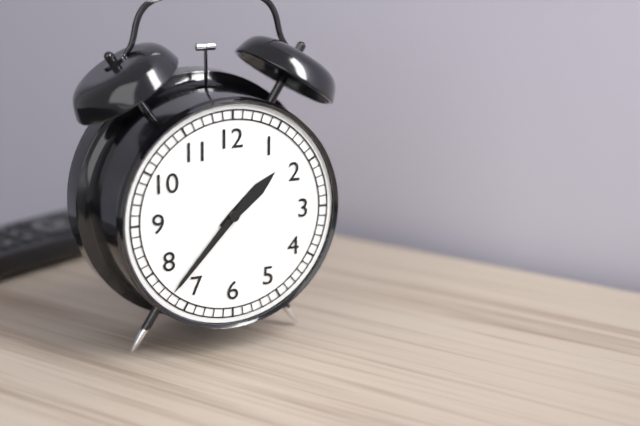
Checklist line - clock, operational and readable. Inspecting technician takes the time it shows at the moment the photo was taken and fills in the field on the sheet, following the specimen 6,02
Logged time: 1,37
